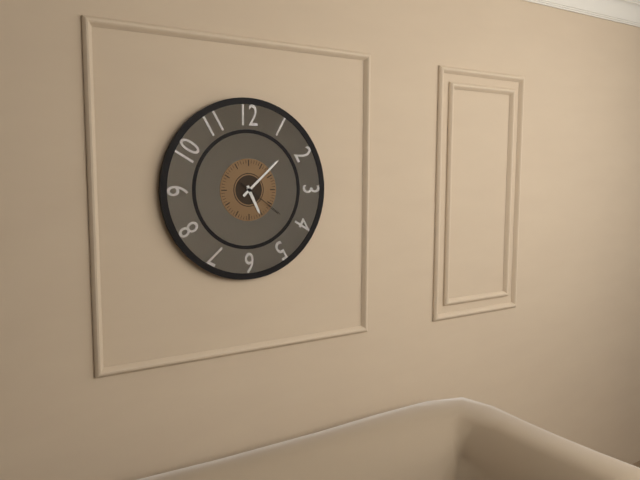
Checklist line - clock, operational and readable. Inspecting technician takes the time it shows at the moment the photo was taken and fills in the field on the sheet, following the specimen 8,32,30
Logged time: 5,08,21
